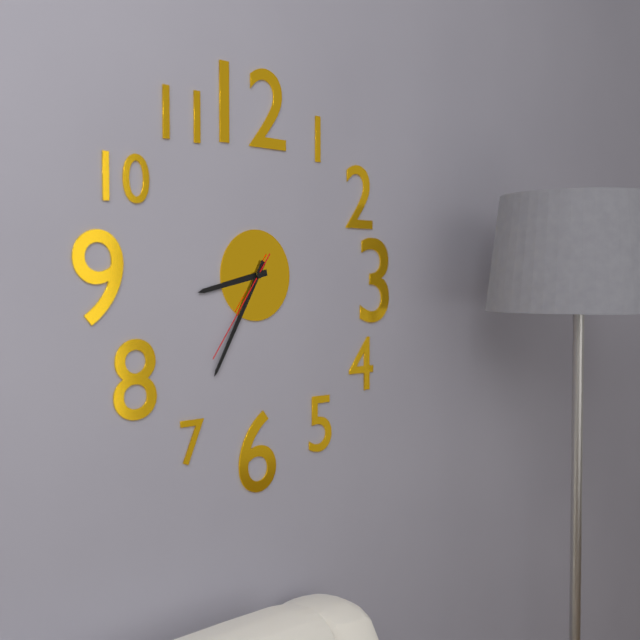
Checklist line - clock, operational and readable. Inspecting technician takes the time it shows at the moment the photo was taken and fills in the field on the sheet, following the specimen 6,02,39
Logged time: 8,35,36
